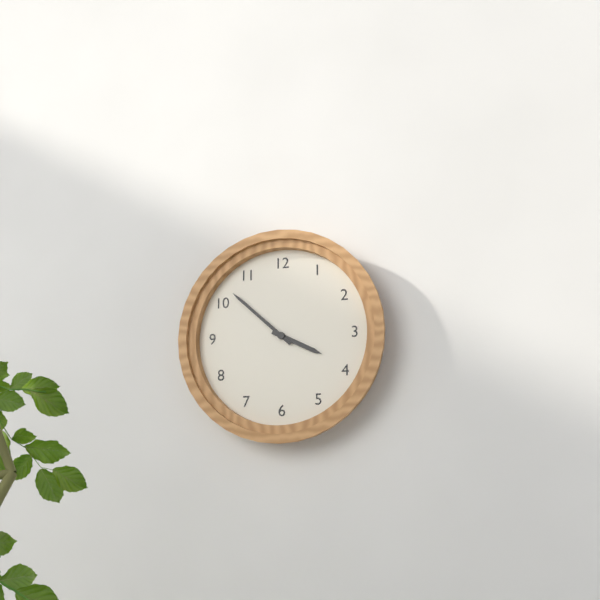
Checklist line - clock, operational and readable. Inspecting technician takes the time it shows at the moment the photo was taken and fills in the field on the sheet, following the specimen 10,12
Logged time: 3,52
